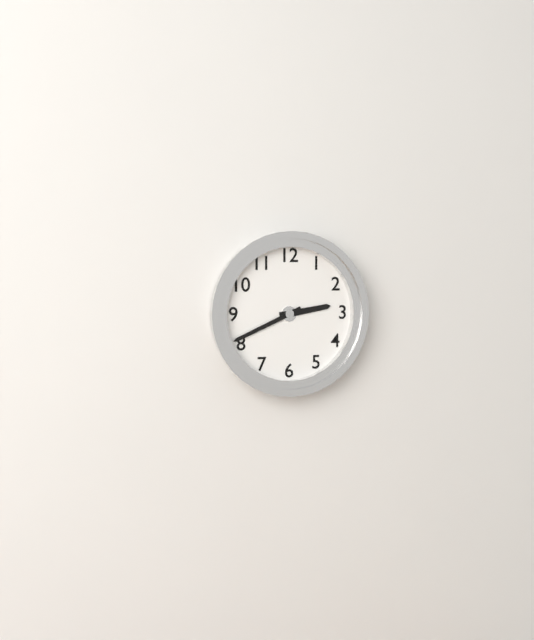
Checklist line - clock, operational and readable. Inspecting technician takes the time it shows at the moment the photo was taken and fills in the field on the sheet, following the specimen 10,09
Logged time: 2,41
